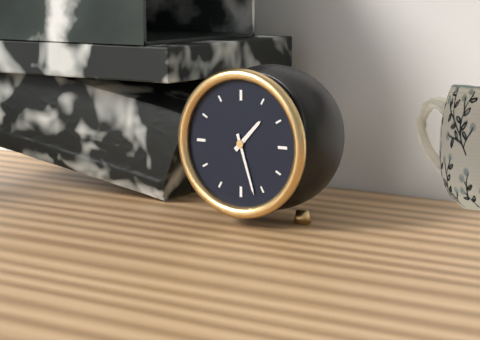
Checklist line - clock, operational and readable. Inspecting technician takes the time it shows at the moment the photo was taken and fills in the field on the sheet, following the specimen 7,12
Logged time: 1,27
